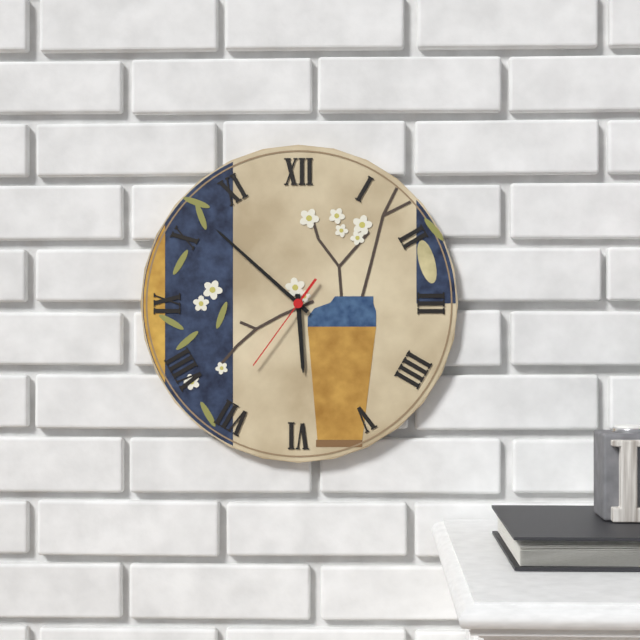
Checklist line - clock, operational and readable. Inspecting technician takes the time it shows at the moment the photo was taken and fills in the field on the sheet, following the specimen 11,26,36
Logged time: 5,52,36
